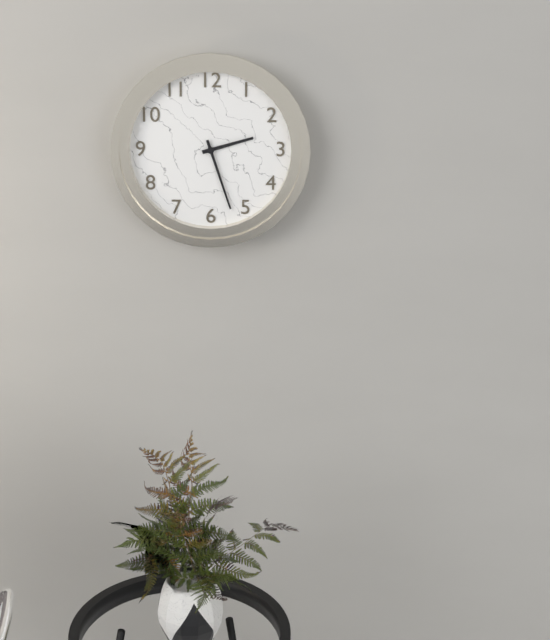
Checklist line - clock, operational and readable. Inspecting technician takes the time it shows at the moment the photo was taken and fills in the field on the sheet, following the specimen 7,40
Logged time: 2,27
